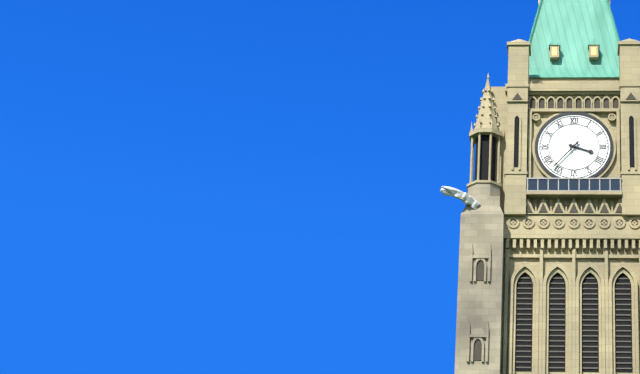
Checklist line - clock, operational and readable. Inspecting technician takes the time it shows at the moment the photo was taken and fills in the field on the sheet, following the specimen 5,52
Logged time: 3,37
